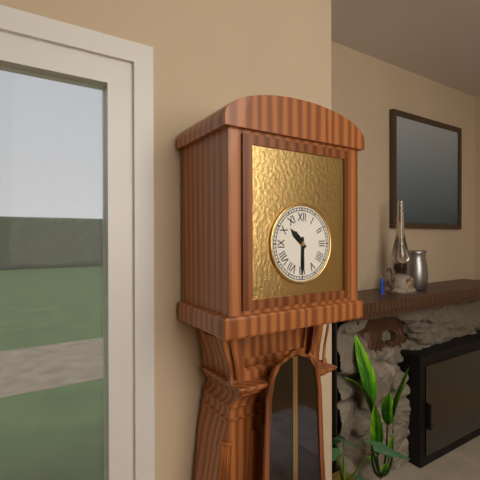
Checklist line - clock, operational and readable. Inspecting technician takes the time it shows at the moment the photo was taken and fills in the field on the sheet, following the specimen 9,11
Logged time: 10,30
